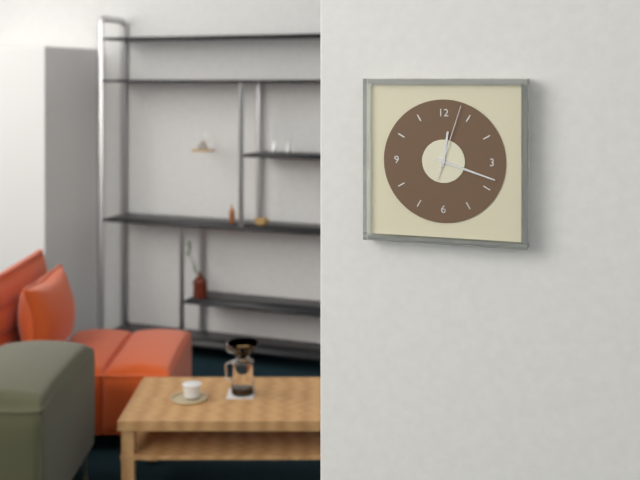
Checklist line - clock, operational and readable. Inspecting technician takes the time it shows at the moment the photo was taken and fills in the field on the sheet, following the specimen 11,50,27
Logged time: 12,18,03
